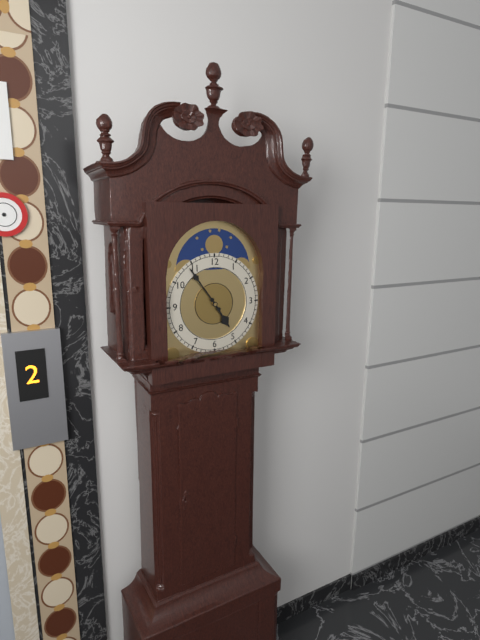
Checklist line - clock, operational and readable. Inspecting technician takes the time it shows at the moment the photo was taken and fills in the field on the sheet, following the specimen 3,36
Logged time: 4,54
